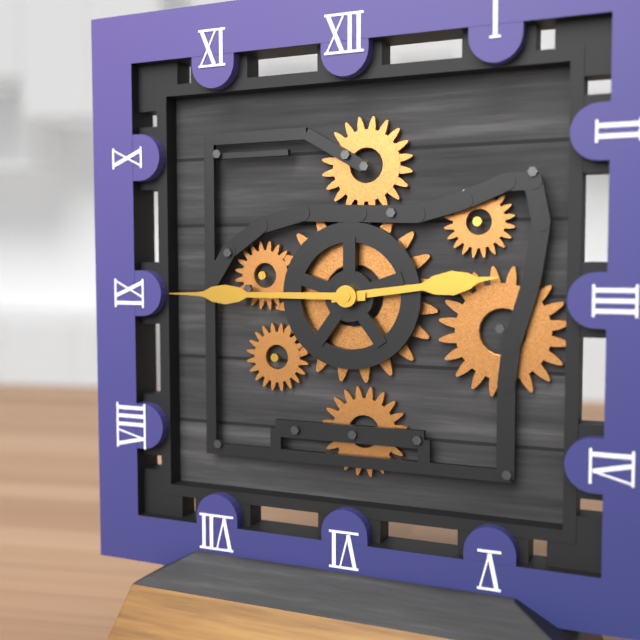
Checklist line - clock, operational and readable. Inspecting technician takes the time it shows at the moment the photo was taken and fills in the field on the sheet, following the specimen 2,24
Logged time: 2,45
